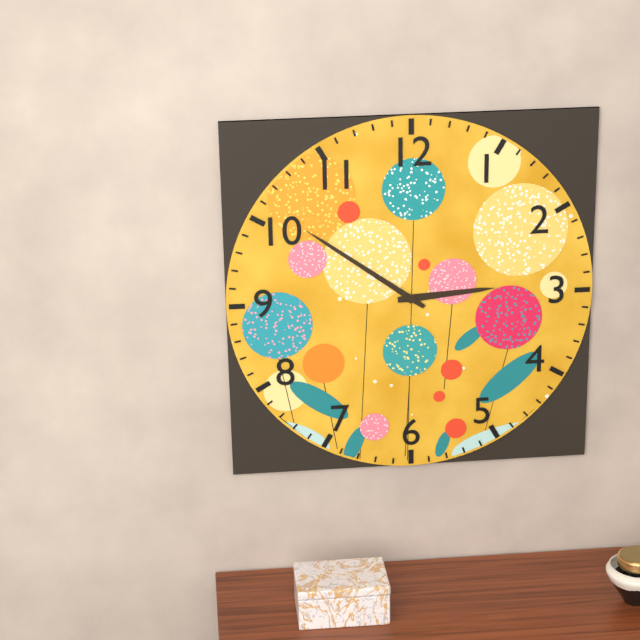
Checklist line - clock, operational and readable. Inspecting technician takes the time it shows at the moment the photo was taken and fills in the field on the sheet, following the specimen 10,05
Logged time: 2,51
